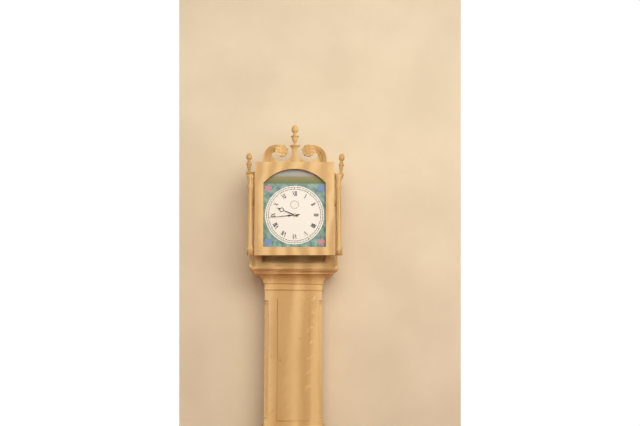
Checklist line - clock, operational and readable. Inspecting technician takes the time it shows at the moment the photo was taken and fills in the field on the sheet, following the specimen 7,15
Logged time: 9,44
